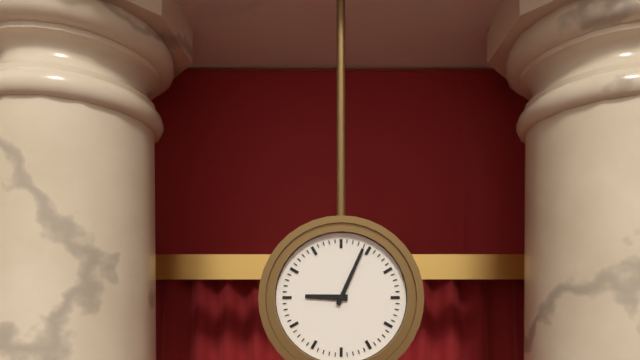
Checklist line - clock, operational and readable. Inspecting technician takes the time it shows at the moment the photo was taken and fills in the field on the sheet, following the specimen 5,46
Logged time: 9,04
